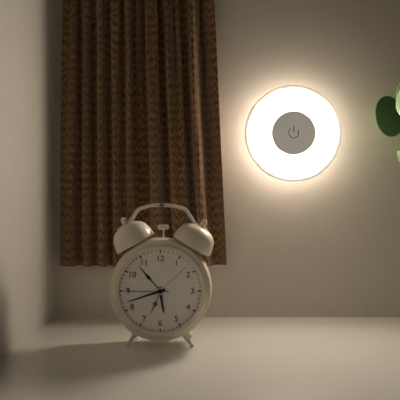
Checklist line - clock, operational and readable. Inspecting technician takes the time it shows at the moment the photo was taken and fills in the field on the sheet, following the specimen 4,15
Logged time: 5,42
